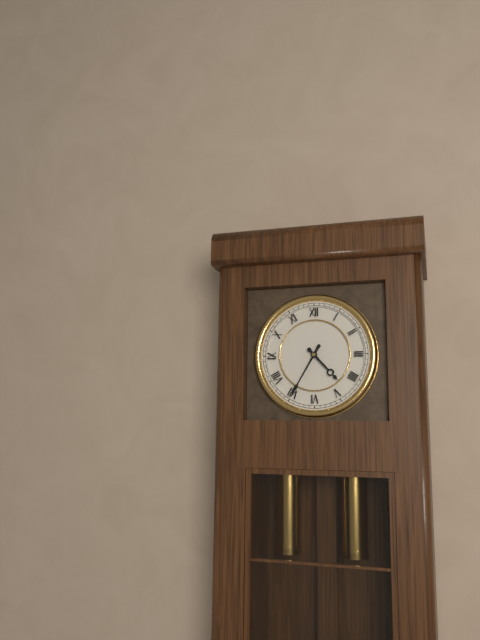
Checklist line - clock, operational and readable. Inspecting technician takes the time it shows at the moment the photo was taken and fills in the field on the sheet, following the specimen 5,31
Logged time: 4,35
